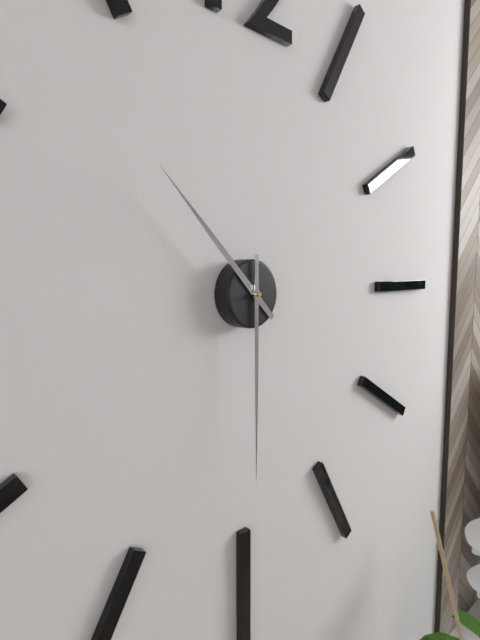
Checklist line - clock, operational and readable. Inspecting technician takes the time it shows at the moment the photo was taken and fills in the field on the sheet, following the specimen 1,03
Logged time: 10,30
